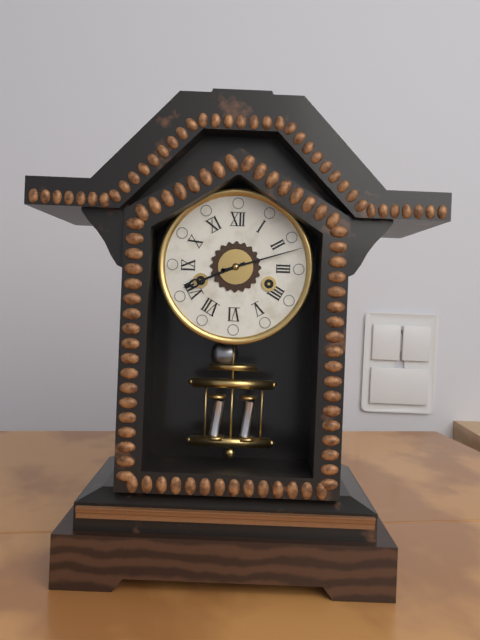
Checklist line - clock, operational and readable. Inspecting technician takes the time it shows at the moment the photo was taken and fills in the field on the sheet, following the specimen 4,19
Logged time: 8,12
